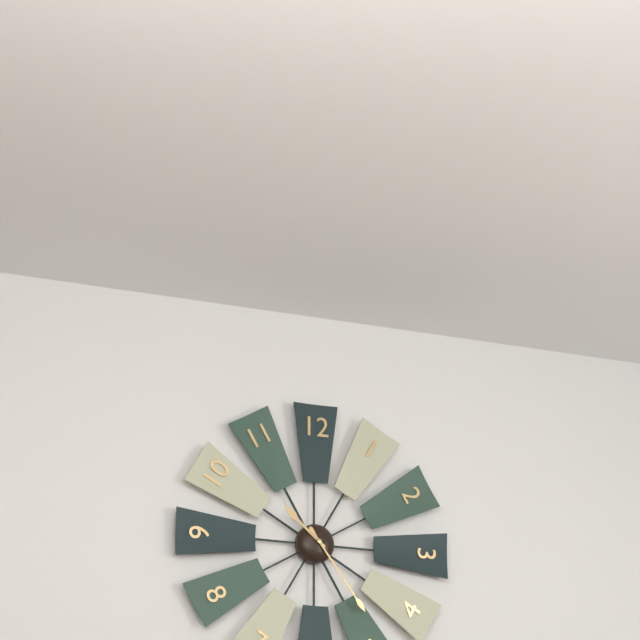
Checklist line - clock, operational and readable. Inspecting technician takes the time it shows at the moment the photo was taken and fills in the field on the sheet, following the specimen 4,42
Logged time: 10,24
